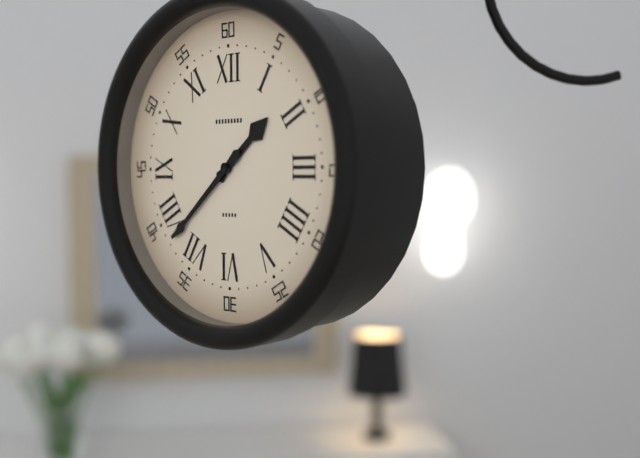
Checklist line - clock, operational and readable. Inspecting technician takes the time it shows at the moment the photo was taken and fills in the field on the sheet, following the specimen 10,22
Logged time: 1,38
